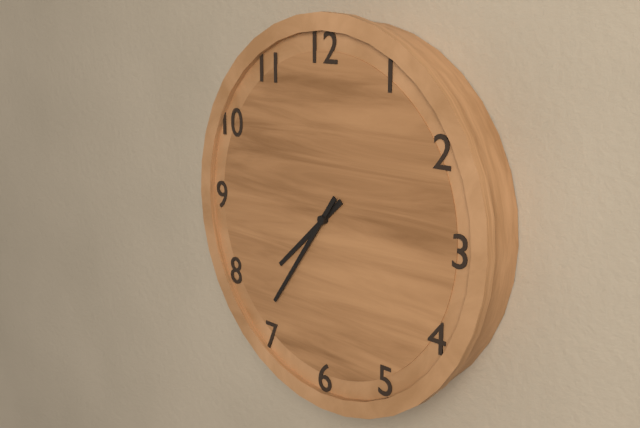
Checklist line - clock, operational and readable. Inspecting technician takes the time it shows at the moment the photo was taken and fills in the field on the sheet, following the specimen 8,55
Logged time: 7,36
